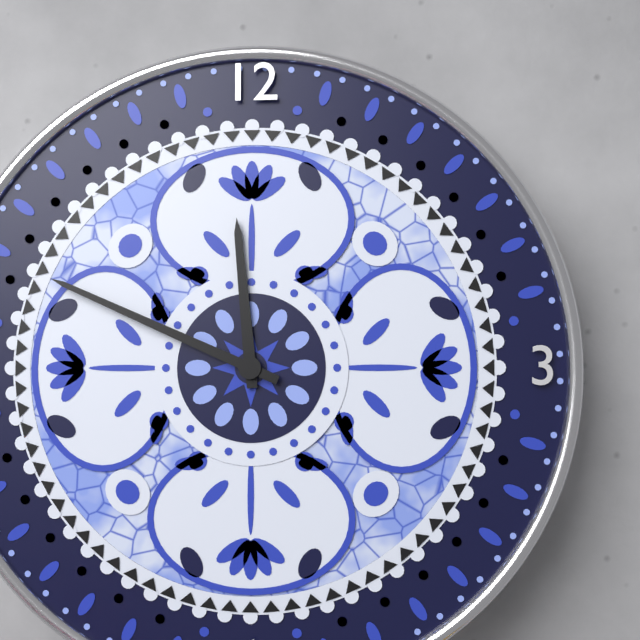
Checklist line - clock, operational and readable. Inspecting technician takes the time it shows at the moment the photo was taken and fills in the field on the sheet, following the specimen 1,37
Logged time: 11,49
